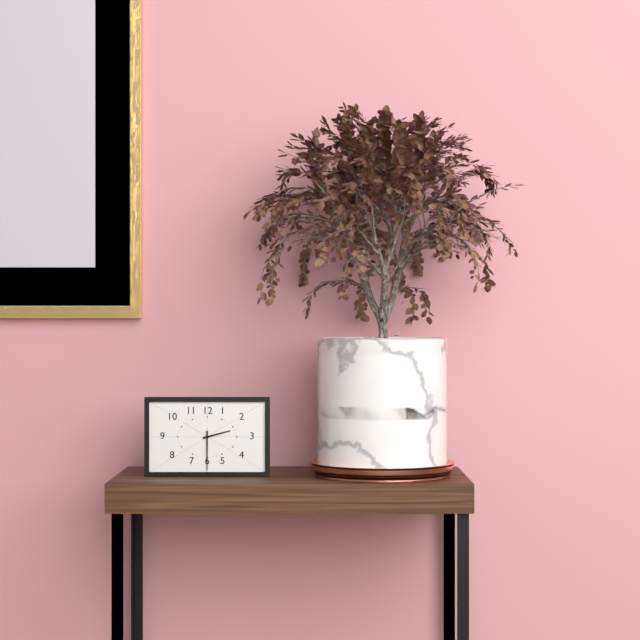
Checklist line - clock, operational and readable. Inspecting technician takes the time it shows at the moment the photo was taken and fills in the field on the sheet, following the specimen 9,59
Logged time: 2,30
